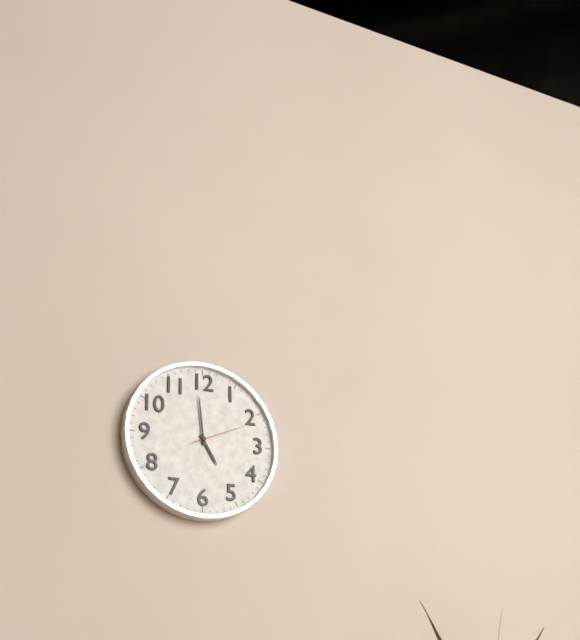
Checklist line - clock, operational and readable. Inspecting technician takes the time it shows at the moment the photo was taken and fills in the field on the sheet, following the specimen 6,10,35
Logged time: 4,59,11
